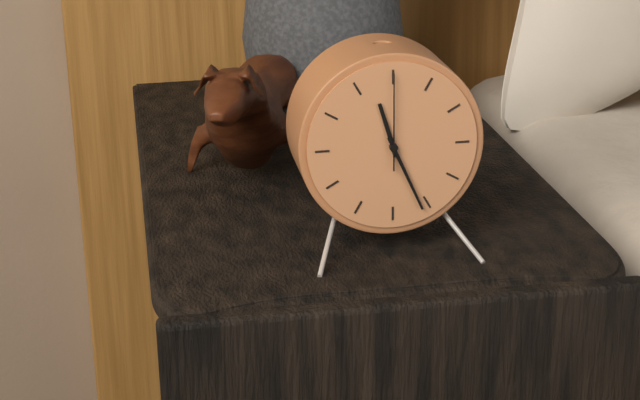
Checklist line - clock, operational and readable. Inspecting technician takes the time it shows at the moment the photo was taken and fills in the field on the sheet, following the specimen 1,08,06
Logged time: 11,26,00
